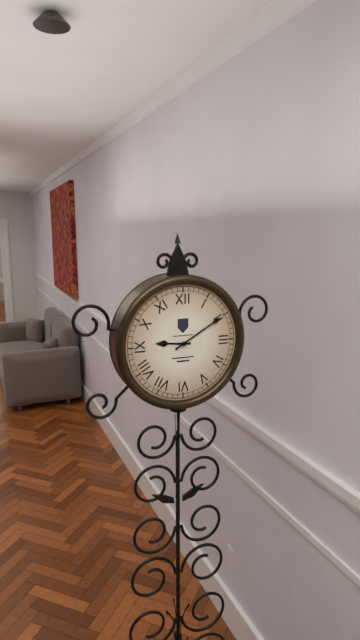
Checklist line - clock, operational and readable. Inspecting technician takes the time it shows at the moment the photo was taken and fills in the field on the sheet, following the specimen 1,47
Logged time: 9,10
